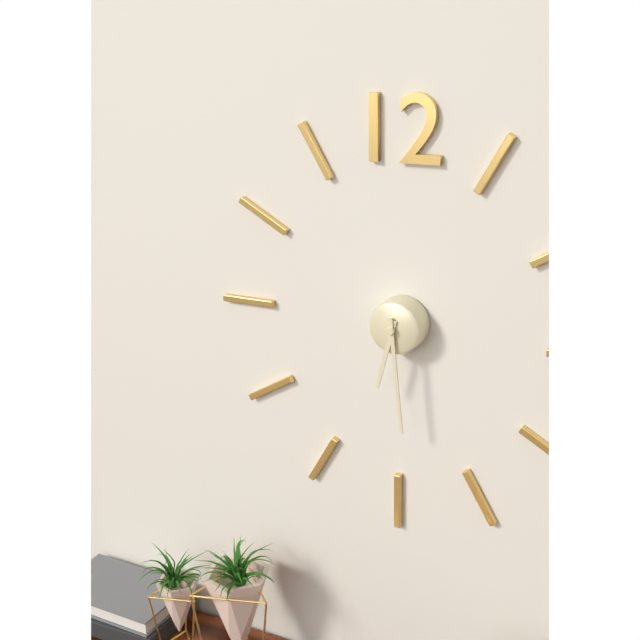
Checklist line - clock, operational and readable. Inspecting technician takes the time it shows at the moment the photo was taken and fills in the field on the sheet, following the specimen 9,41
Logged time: 6,29
